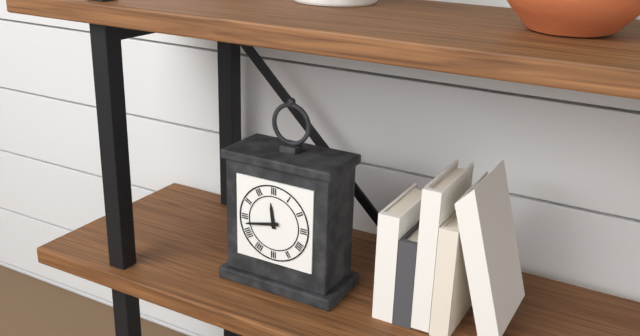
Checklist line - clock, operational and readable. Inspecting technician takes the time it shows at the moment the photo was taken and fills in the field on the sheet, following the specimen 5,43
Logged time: 11,43
